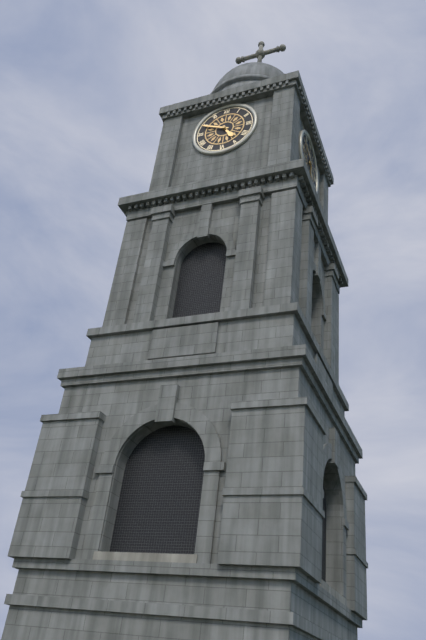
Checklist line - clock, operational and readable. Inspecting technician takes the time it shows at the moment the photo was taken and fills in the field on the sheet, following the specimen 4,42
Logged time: 4,49
